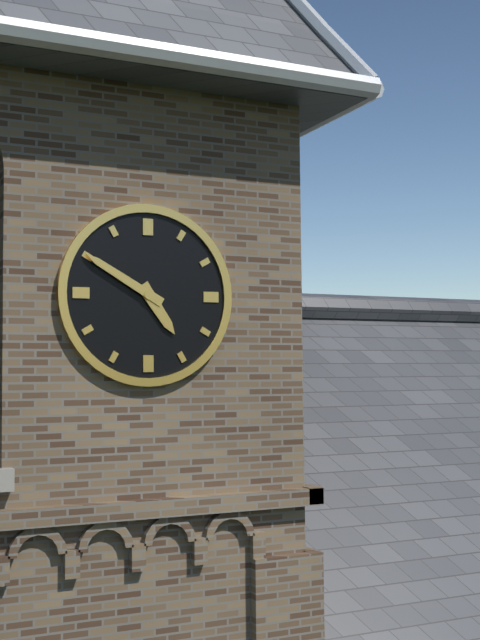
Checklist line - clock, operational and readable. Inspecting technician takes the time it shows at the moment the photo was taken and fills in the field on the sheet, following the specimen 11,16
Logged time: 4,50
